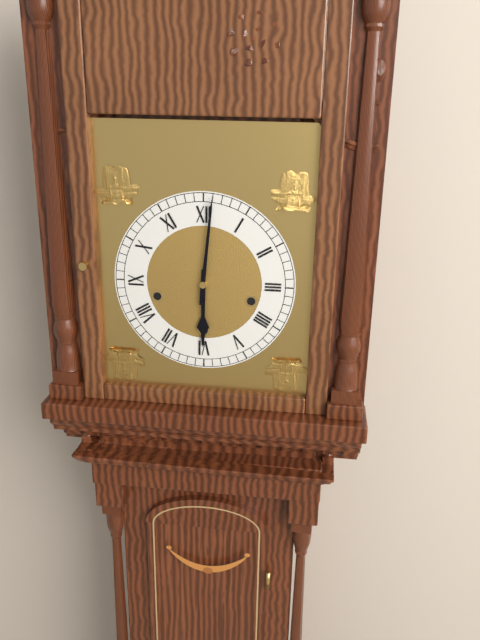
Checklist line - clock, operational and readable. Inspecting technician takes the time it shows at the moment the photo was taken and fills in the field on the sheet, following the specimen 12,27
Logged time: 6,01
